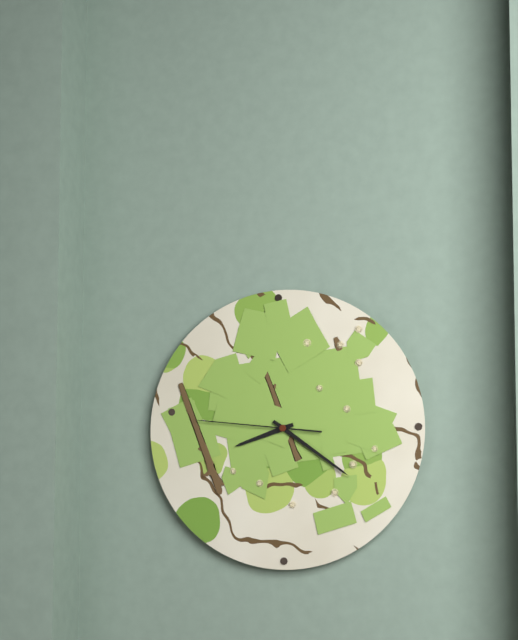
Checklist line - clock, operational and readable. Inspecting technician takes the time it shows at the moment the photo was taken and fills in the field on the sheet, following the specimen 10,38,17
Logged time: 8,21,46
